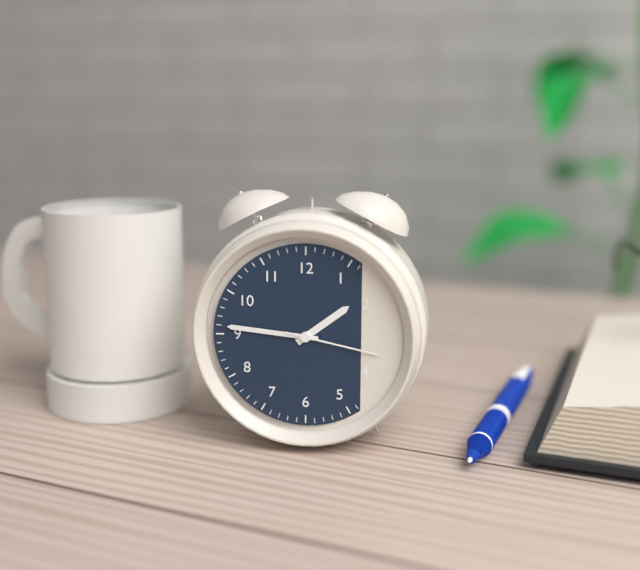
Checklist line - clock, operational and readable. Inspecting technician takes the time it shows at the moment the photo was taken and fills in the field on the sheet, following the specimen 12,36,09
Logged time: 1,46,17
